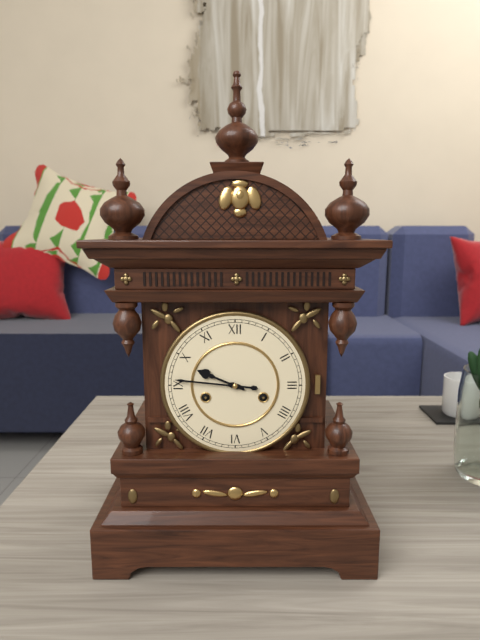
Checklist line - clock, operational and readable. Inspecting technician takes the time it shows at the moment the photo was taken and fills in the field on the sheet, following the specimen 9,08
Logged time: 9,46
